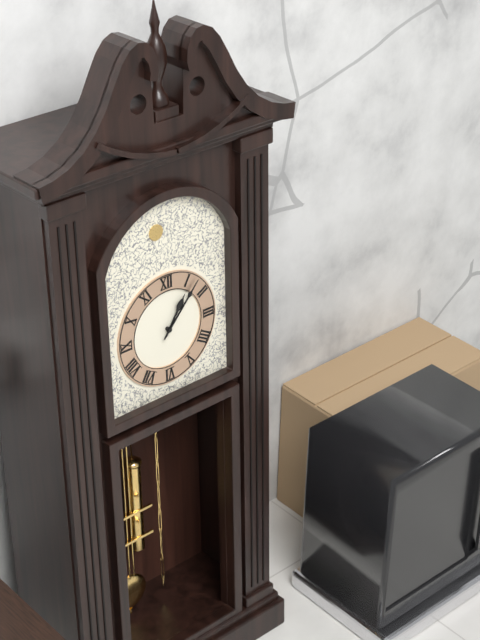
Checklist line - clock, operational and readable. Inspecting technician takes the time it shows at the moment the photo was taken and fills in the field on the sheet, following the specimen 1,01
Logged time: 1,07
